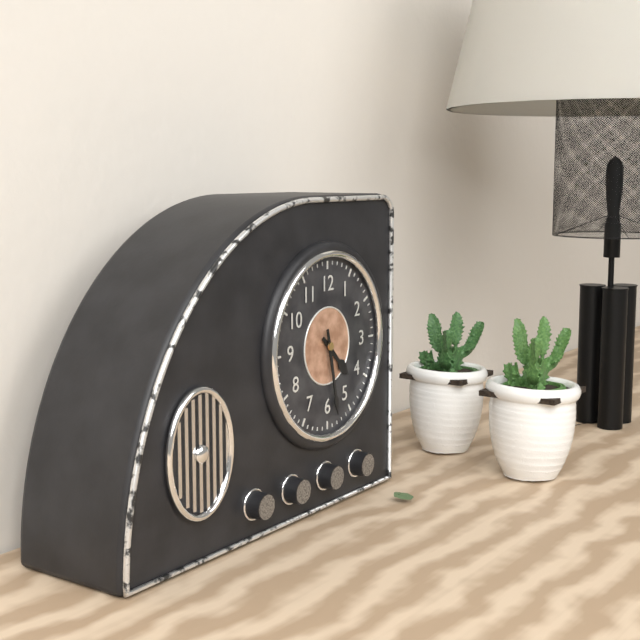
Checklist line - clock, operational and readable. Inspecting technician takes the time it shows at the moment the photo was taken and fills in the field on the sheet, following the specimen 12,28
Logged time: 4,28
